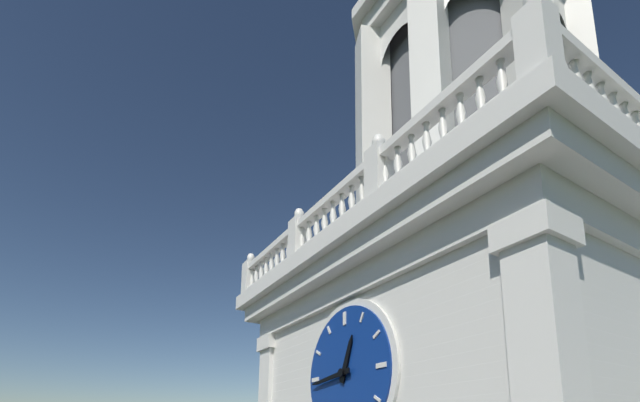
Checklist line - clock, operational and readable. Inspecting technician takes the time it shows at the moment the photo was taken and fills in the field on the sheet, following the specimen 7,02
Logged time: 12,44
